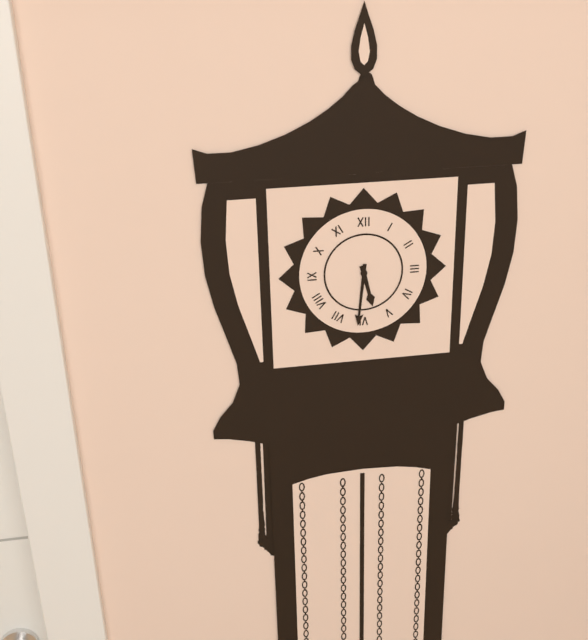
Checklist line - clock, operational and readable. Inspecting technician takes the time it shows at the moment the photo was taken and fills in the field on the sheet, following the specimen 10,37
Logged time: 5,31
